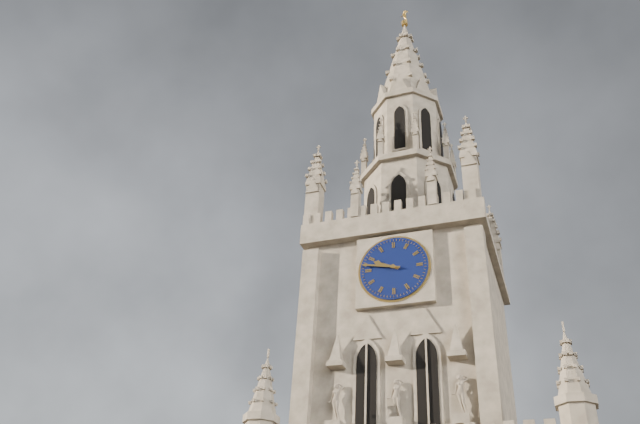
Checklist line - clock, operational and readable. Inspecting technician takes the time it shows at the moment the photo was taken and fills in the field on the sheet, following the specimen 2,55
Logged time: 9,47
